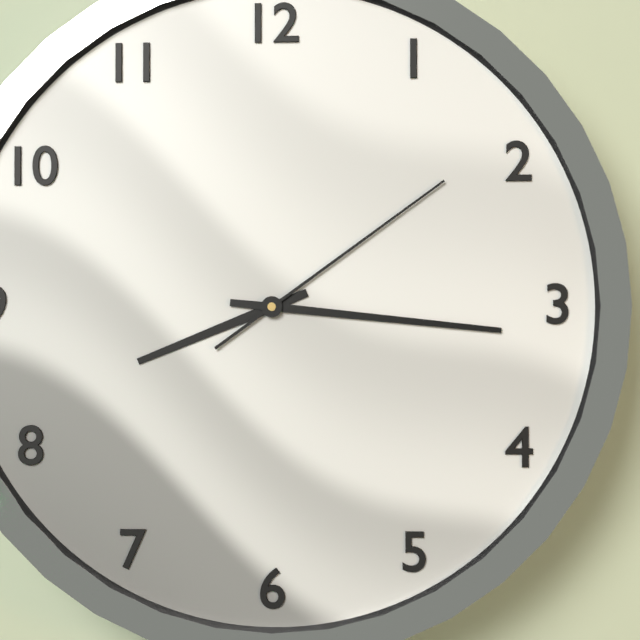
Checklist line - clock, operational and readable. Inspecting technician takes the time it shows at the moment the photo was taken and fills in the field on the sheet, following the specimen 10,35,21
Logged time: 8,16,09
